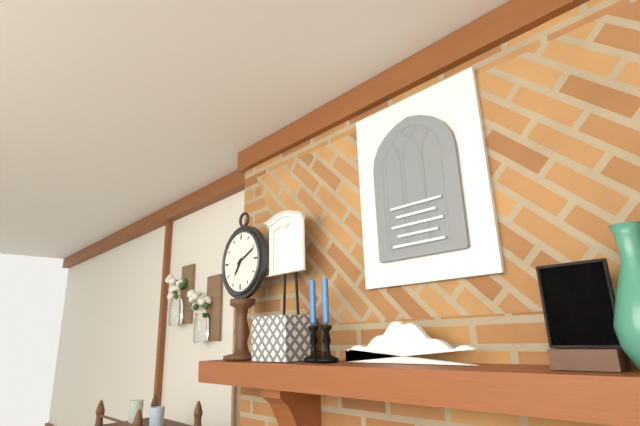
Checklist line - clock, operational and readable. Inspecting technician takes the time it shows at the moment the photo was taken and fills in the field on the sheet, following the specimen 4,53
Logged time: 7,11
